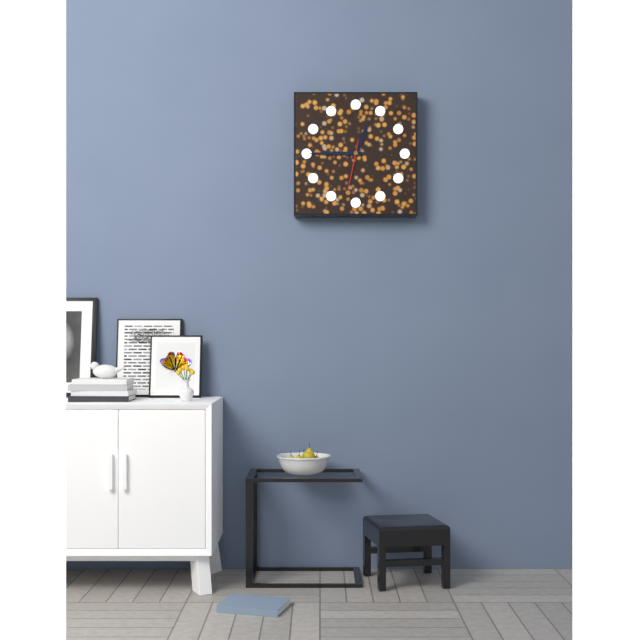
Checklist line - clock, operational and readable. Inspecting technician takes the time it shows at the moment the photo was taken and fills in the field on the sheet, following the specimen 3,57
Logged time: 12,45
